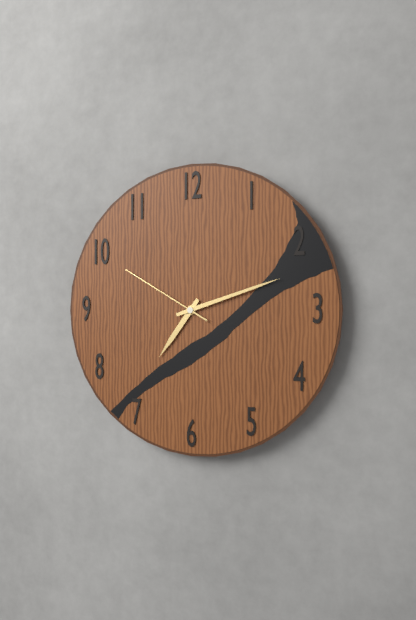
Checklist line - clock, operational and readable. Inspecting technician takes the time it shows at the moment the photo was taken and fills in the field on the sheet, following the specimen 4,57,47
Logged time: 7,12,50
